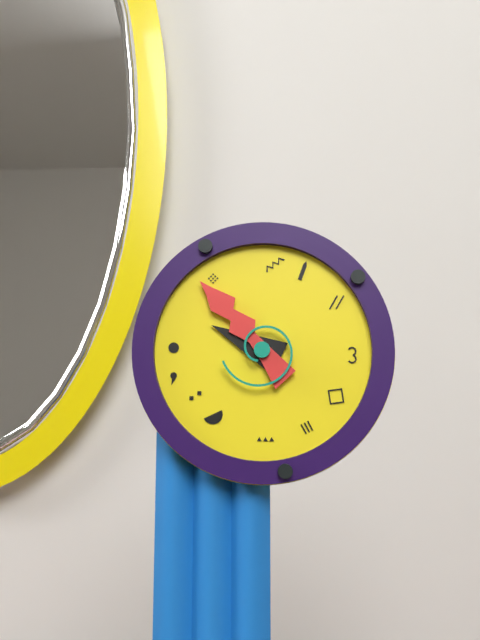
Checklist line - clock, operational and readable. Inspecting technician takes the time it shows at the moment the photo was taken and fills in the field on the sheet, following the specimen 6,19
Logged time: 9,53
